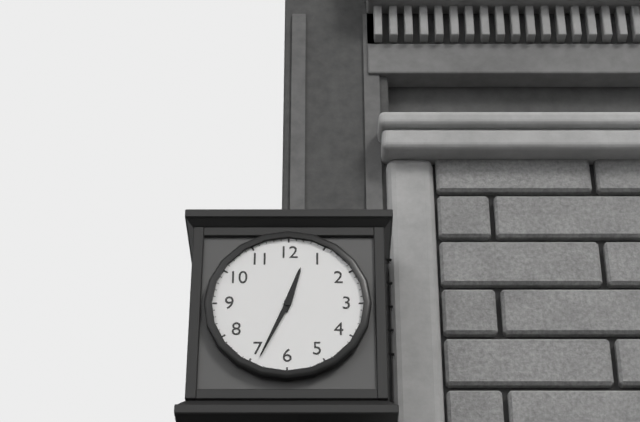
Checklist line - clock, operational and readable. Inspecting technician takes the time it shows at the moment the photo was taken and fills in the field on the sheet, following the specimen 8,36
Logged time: 12,34
